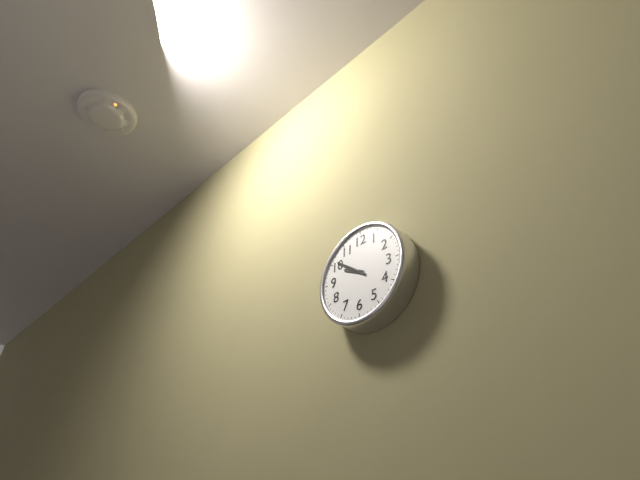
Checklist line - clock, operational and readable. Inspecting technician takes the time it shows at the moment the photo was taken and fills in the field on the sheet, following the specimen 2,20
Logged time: 9,51
